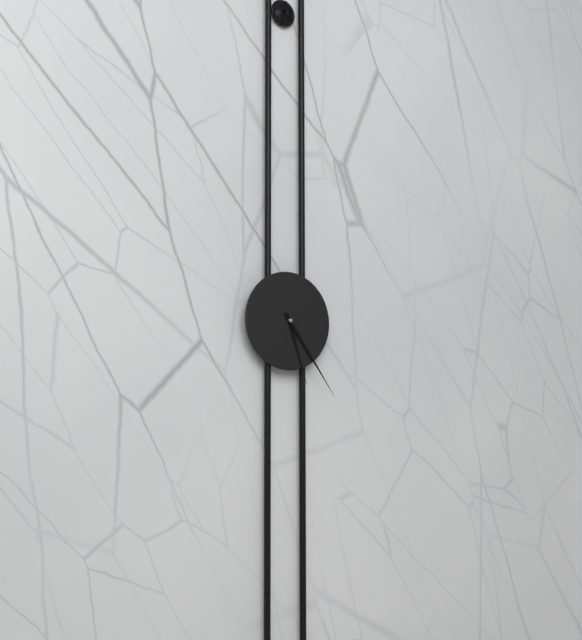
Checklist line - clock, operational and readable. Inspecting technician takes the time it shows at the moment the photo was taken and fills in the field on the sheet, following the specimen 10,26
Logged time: 5,24
